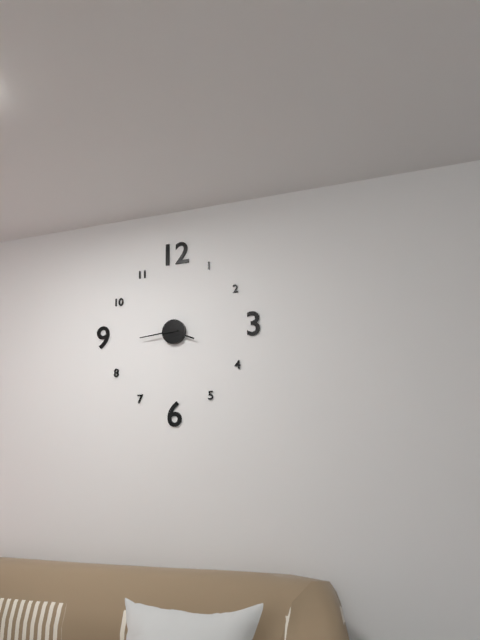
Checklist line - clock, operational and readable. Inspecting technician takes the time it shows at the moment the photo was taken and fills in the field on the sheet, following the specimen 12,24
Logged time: 3,44
